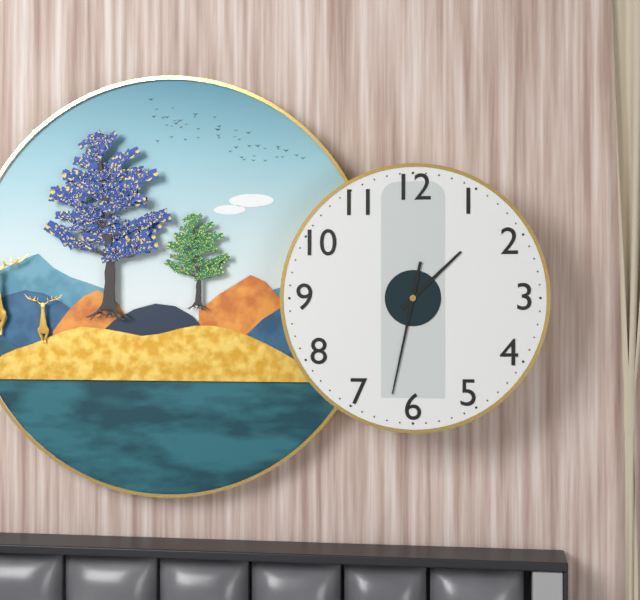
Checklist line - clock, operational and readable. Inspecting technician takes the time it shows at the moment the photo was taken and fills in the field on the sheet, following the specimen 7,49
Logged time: 1,32
